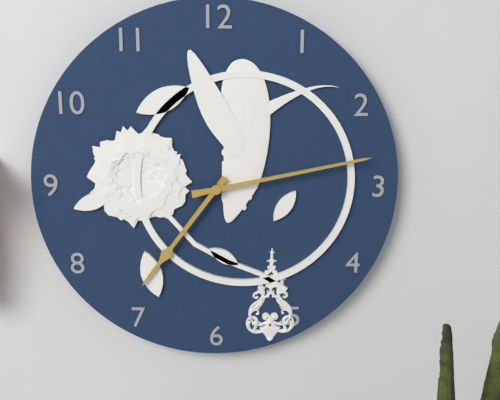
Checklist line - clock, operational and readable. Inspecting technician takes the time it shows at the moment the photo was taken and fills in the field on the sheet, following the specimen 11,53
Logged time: 7,13
